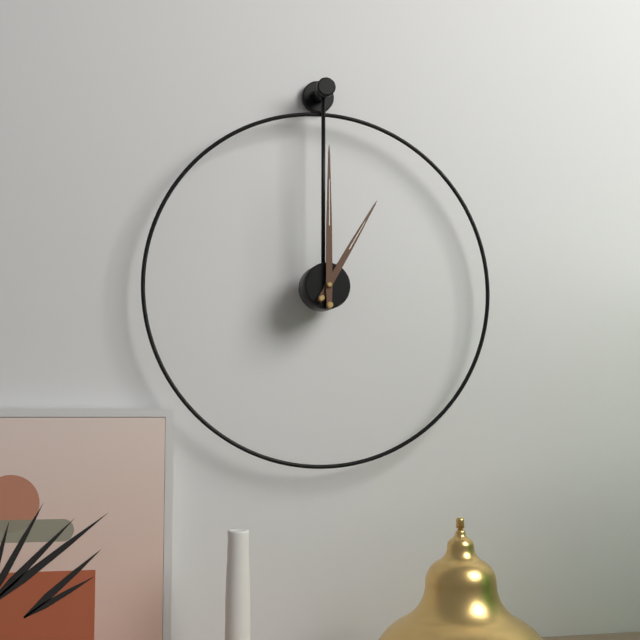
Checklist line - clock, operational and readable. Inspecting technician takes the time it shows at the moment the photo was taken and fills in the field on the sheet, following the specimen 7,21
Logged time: 1,00
